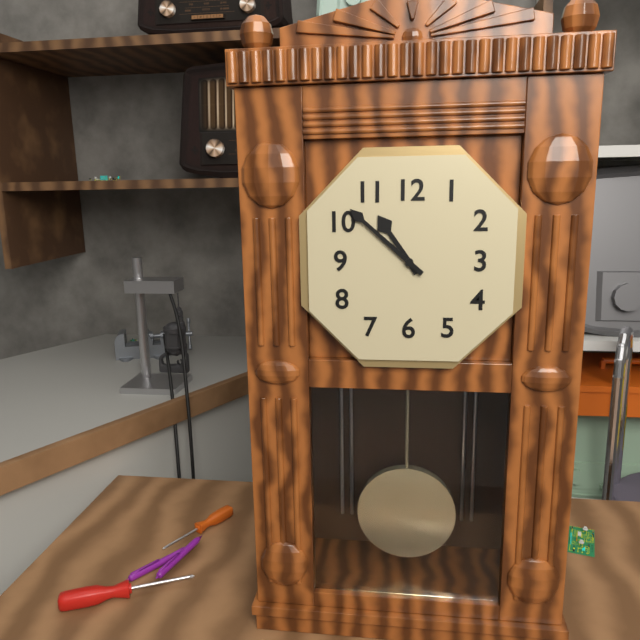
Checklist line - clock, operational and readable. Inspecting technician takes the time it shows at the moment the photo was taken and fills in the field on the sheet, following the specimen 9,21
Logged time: 10,52
